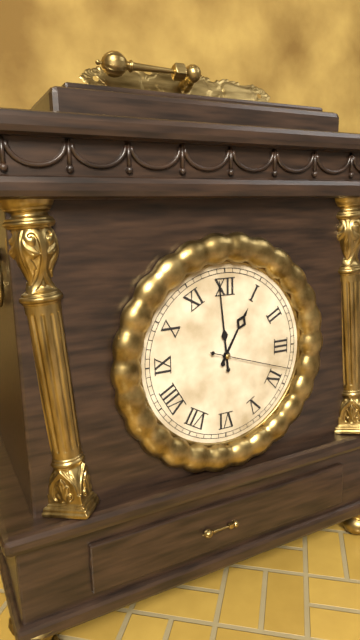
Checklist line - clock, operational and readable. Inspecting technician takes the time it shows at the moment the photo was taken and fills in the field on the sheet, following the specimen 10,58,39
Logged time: 12,59,18
